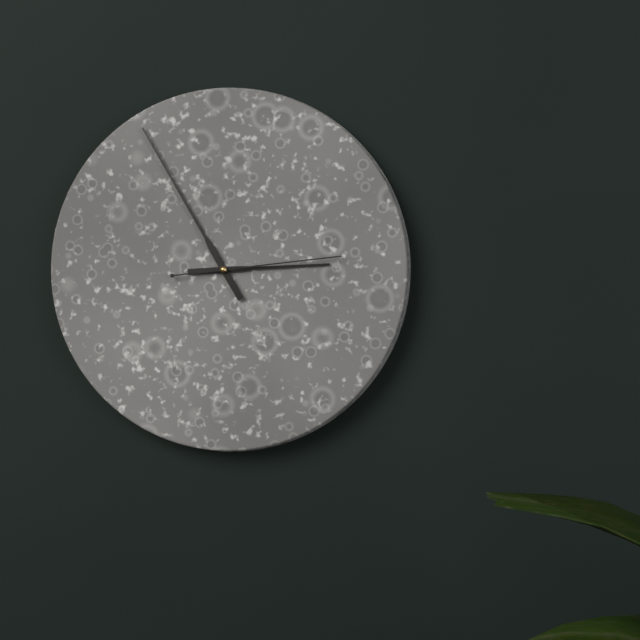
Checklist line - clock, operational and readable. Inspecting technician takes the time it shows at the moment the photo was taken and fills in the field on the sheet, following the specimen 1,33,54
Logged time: 2,55,14
